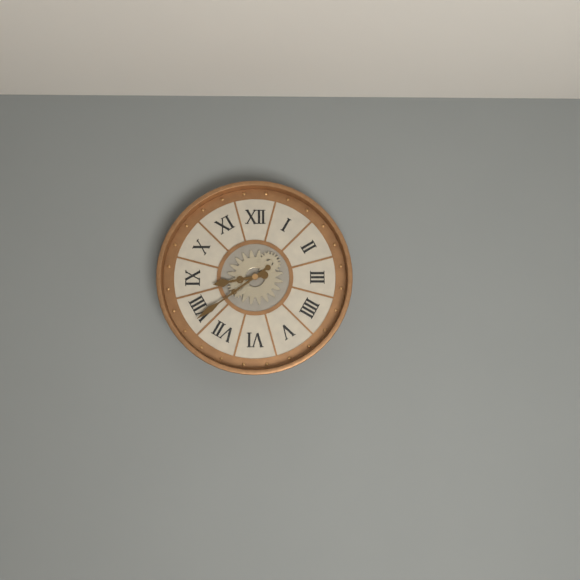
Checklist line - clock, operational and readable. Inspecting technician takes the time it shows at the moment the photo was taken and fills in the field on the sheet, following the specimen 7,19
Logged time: 8,39
